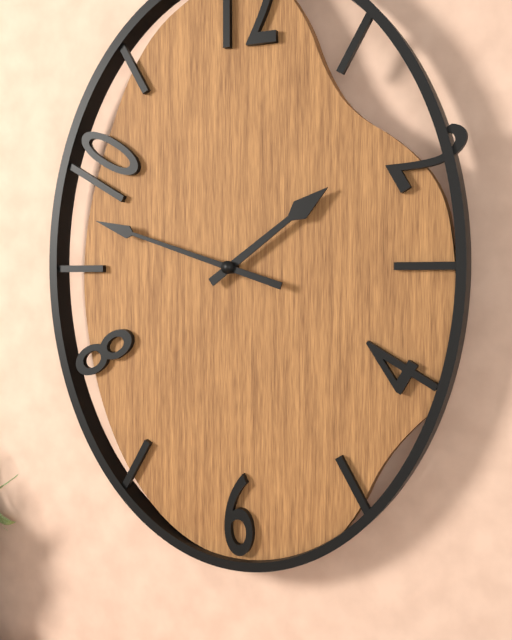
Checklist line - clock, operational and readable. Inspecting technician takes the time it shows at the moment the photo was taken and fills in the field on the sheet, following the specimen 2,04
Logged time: 1,48
